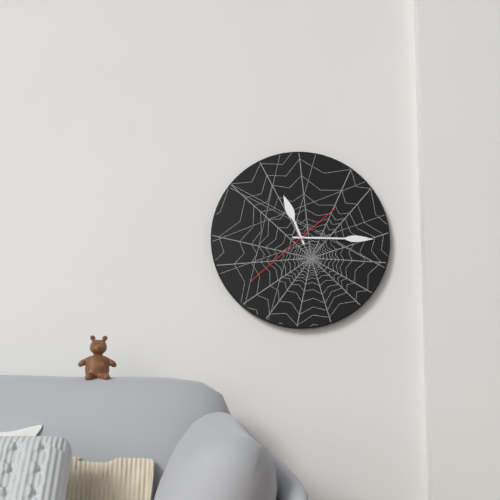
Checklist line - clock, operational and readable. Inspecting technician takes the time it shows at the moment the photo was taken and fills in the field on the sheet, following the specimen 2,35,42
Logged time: 11,15,38
